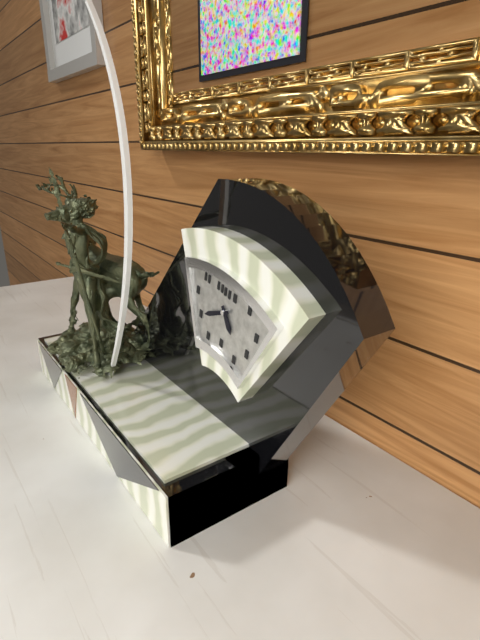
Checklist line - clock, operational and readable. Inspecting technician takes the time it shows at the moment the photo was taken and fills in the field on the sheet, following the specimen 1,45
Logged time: 4,40
